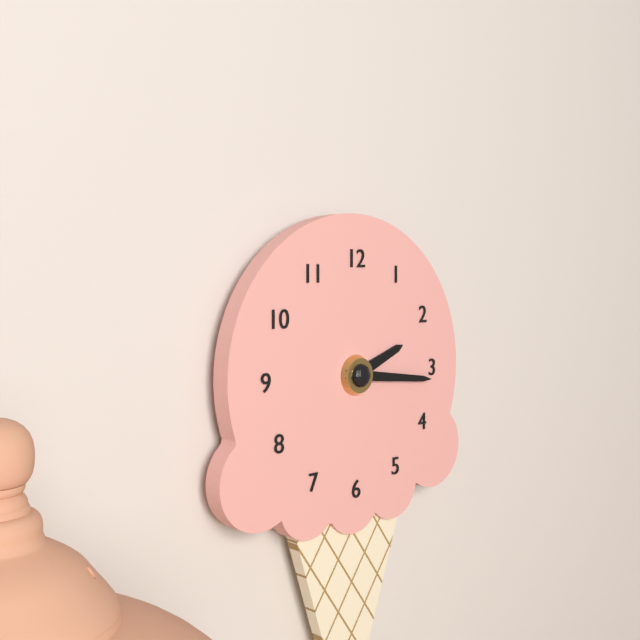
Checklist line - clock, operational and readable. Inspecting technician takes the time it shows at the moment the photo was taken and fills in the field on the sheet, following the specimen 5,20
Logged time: 2,16
